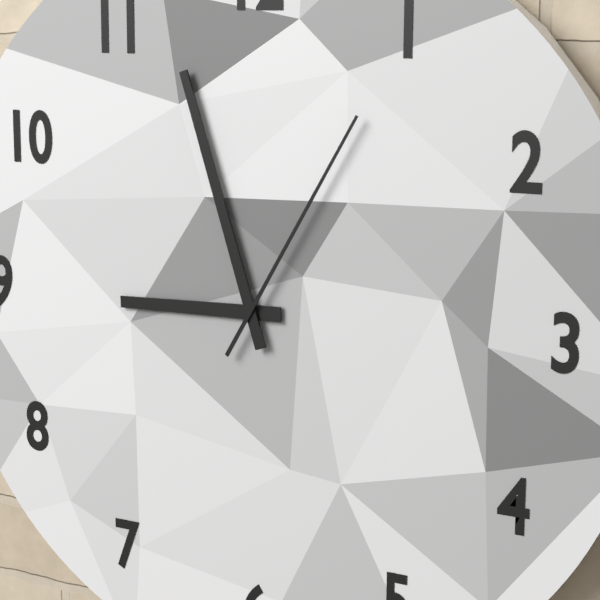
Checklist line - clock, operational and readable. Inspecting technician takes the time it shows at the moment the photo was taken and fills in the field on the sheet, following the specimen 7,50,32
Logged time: 8,57,05
